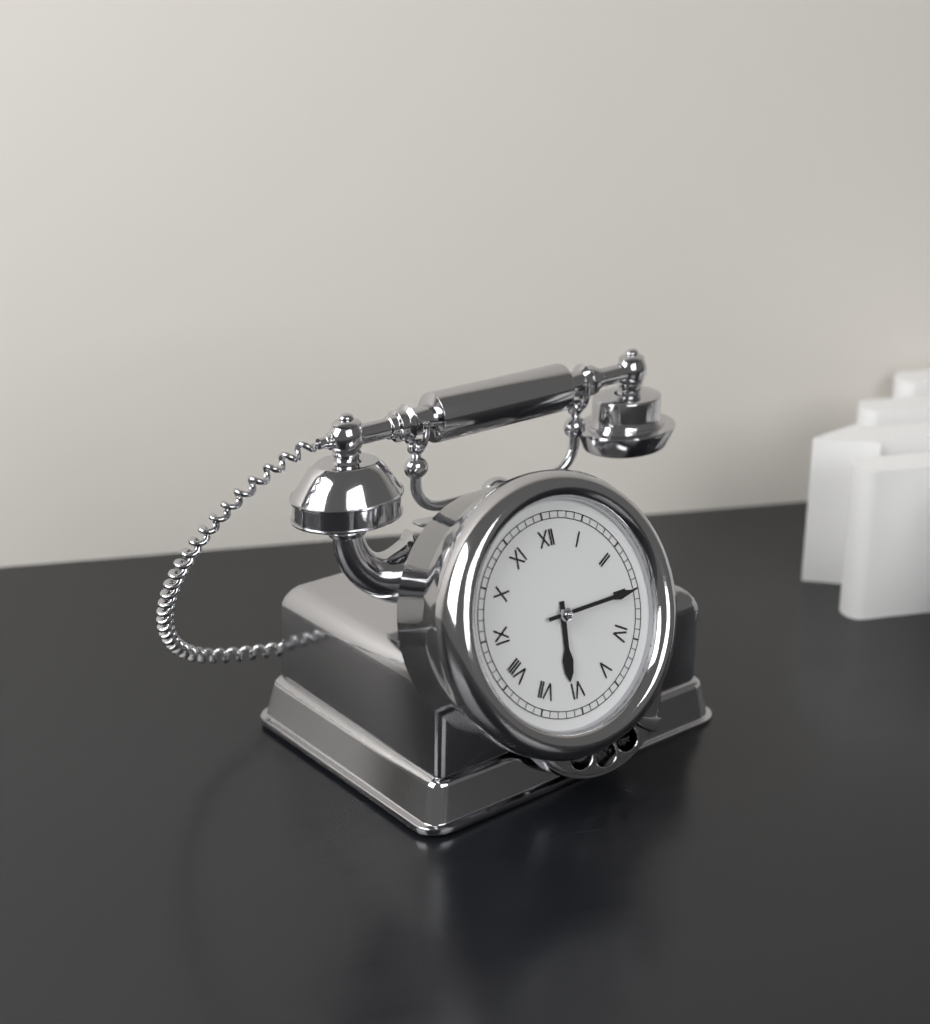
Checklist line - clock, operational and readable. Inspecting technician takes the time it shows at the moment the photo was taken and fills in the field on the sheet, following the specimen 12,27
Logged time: 6,15
